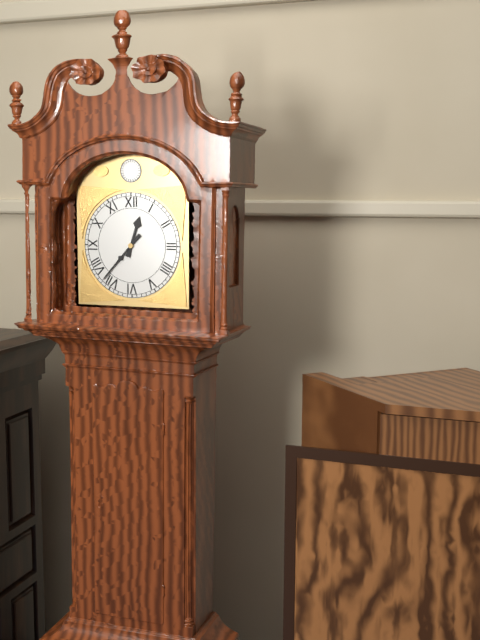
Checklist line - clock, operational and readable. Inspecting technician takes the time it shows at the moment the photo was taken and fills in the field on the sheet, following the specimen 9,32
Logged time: 12,37
